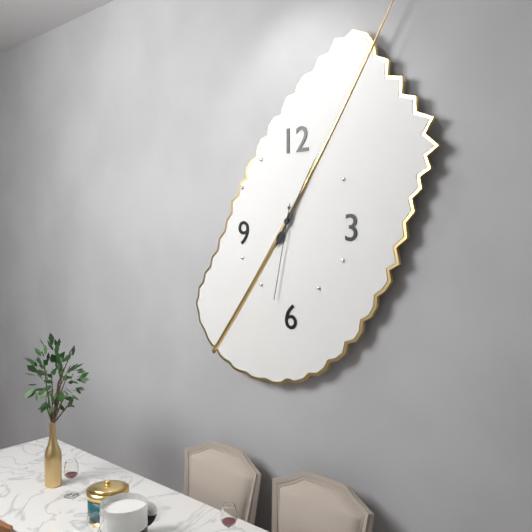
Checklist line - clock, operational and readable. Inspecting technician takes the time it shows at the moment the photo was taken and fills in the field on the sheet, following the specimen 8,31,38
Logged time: 7,05,32
